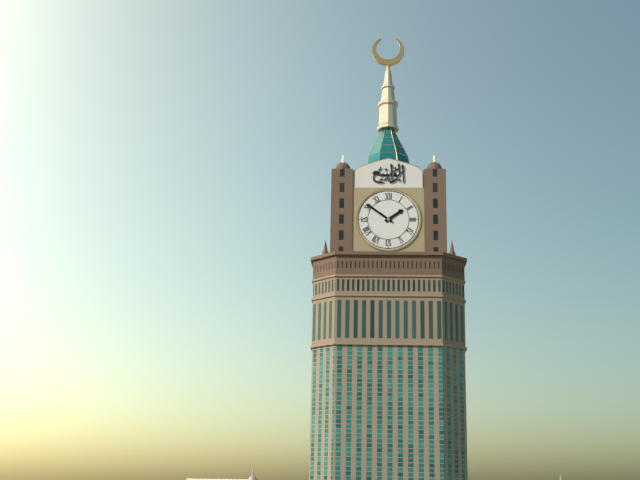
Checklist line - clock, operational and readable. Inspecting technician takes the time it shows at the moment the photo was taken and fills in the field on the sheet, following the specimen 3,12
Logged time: 1,51
